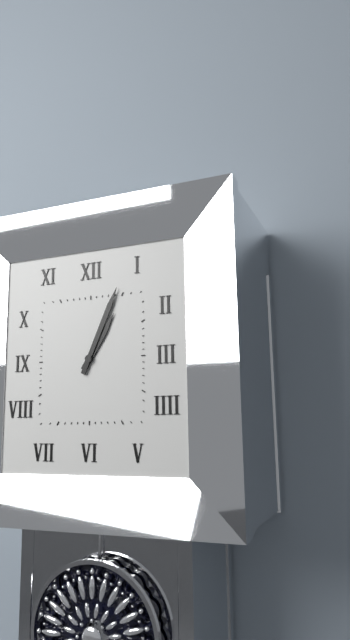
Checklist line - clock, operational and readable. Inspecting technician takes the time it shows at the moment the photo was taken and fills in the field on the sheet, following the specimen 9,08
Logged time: 1,04
